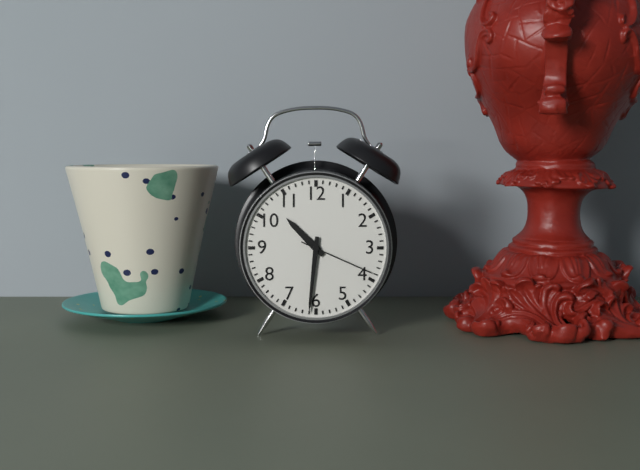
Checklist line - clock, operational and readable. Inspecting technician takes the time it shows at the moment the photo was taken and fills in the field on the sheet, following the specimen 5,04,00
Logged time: 10,31,19
